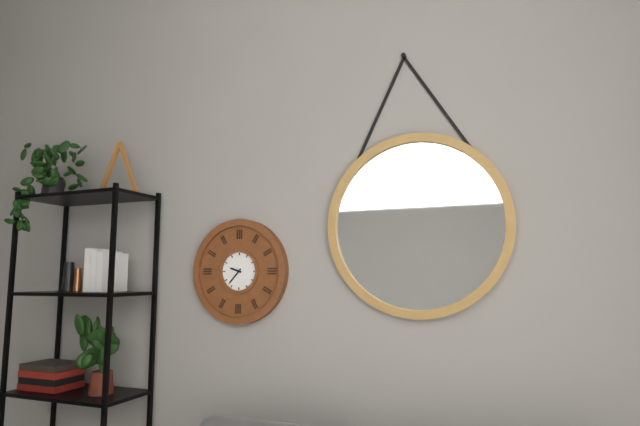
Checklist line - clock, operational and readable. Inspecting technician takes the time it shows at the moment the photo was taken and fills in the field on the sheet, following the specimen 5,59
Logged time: 9,37
